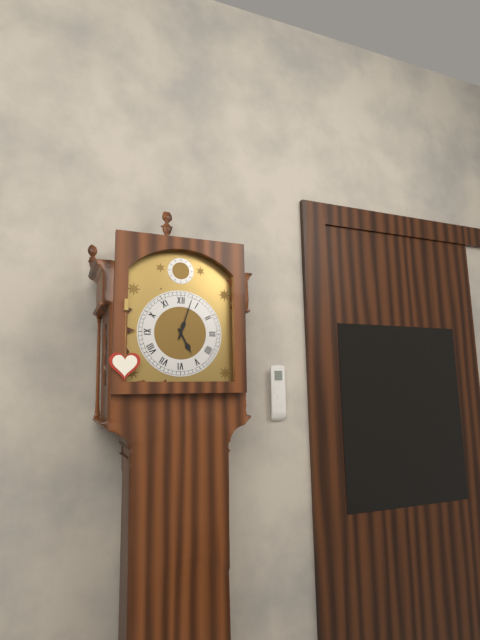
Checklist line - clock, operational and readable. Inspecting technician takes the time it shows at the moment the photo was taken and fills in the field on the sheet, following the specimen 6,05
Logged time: 5,03
